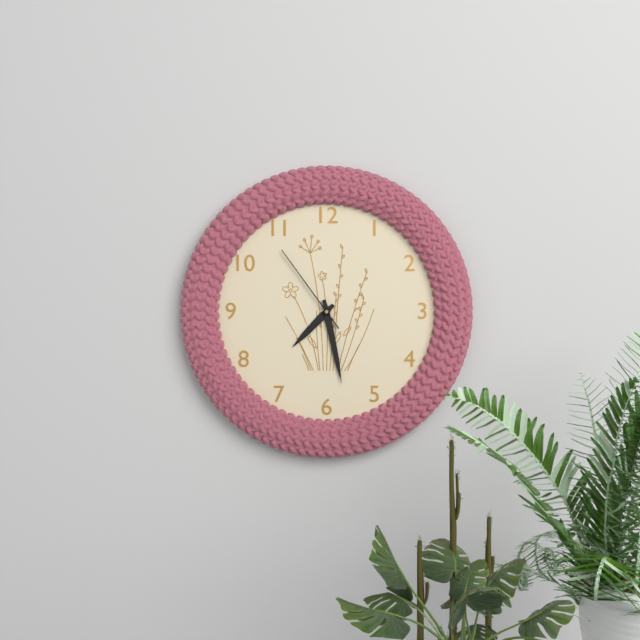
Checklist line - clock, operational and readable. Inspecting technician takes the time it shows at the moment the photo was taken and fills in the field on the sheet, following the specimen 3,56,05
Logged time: 7,28,54
